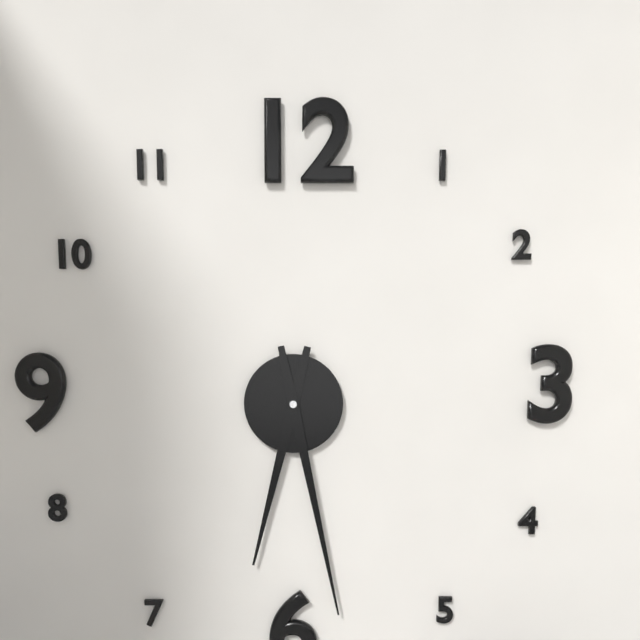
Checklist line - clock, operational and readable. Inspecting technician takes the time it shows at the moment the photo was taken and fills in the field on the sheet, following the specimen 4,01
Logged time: 6,28
